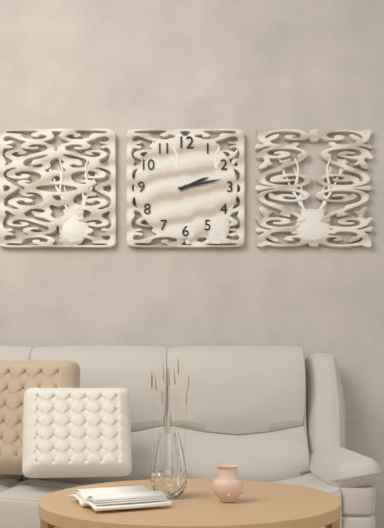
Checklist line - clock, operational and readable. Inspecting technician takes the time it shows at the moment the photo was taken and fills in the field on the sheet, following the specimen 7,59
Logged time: 2,13
